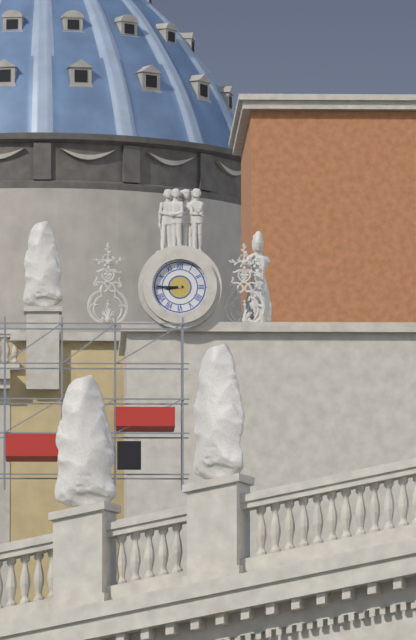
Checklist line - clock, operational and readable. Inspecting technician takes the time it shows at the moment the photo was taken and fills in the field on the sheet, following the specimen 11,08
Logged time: 8,45
